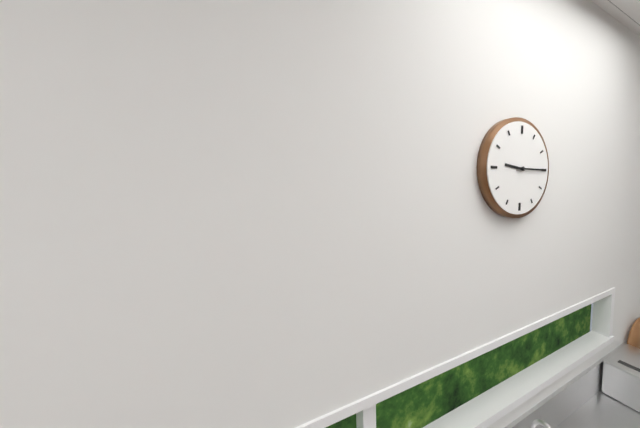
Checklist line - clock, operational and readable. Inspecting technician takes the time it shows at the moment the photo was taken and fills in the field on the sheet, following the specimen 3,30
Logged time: 9,15
